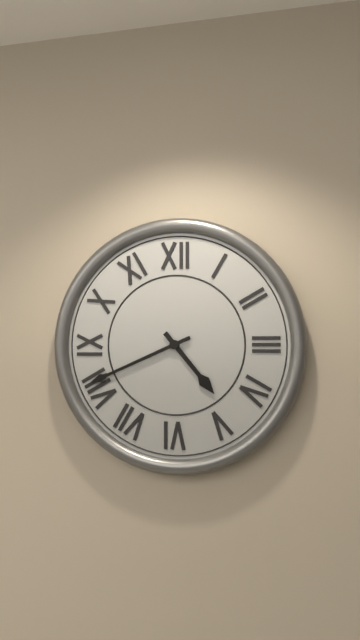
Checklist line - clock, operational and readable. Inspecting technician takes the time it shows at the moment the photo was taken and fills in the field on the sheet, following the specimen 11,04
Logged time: 4,41
